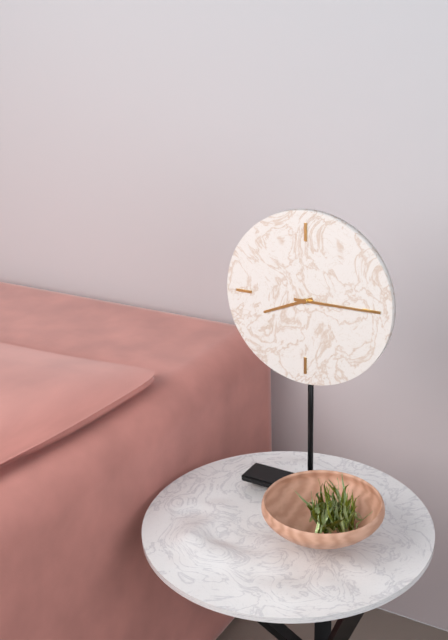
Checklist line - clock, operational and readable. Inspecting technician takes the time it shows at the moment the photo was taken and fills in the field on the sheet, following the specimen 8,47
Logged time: 8,15
